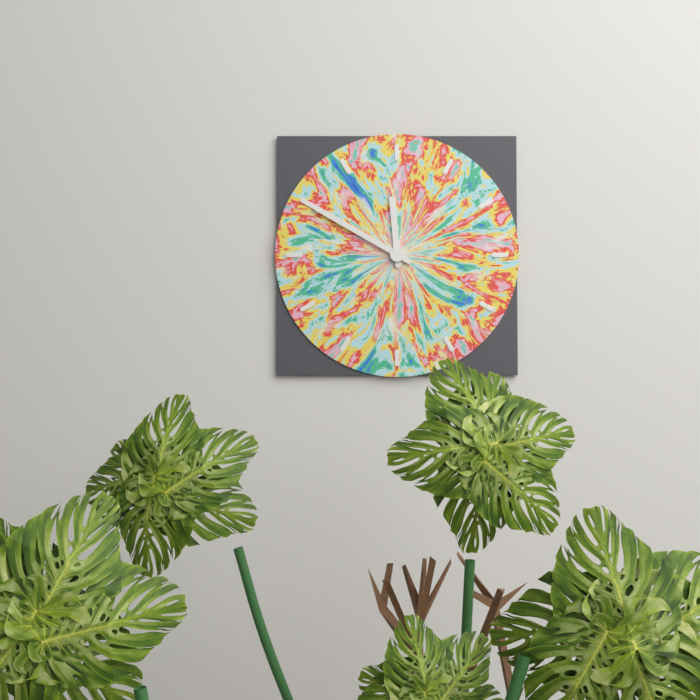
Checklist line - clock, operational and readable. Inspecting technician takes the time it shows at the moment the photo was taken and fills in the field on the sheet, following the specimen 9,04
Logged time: 11,50
